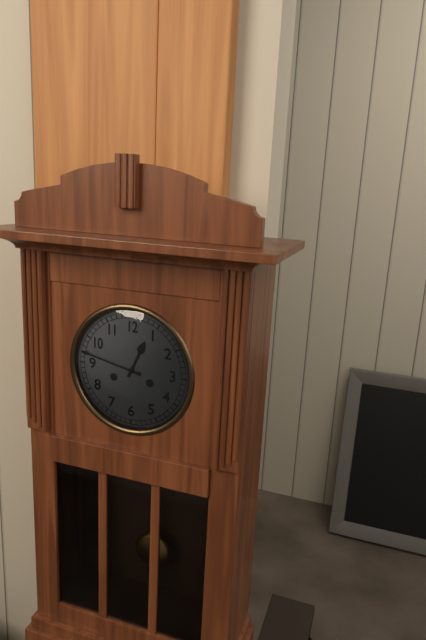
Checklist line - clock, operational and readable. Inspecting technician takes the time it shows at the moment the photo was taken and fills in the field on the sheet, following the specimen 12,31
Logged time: 12,47
